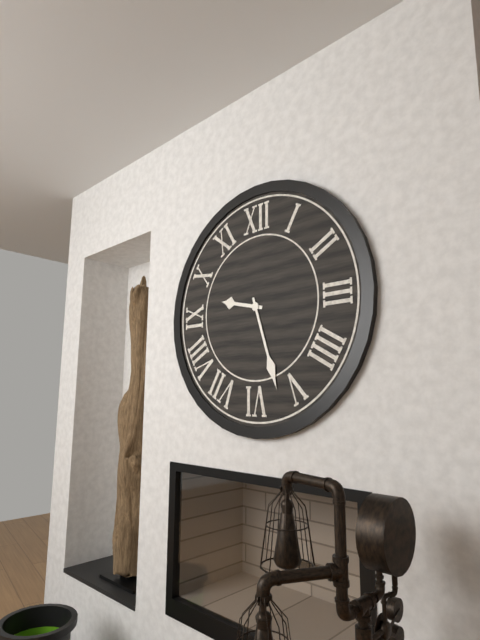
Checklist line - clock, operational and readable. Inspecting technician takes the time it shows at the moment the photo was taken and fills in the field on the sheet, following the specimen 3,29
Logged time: 9,27
